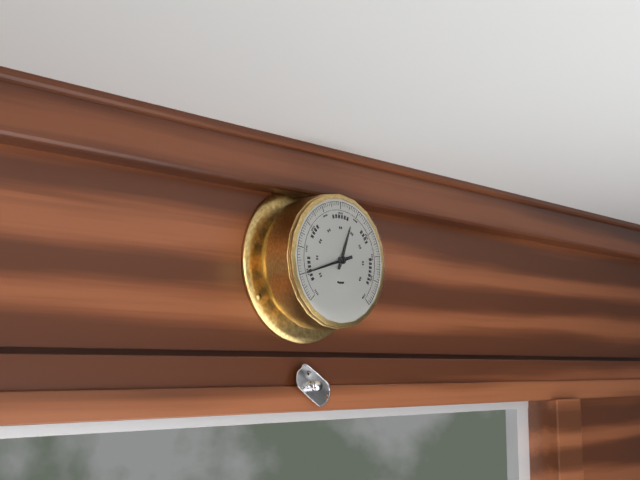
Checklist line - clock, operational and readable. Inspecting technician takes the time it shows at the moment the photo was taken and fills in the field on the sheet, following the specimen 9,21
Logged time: 12,42
